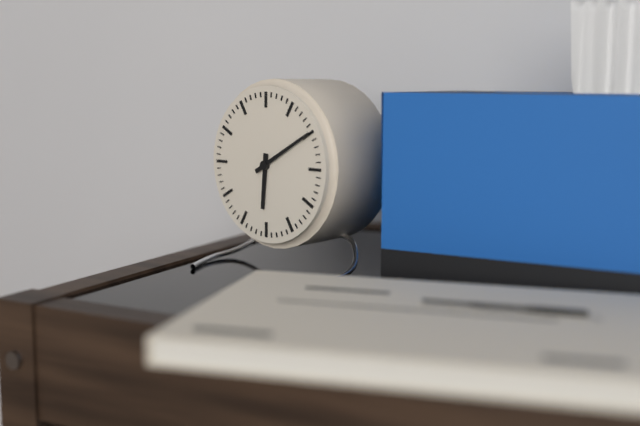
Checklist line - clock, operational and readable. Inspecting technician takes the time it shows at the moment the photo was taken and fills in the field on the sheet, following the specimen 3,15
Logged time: 6,10
